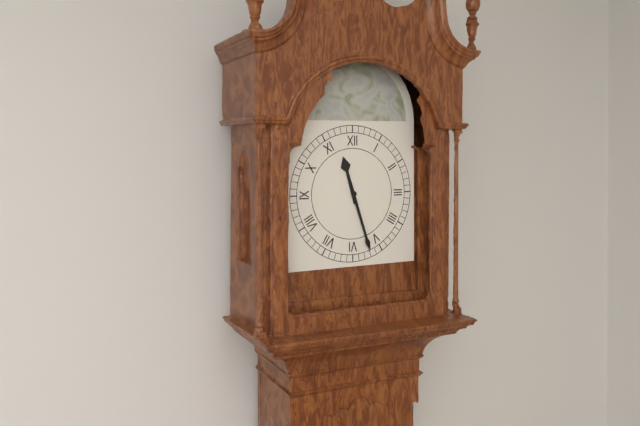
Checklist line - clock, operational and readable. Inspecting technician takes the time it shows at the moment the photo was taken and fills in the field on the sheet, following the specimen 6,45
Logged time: 11,27
